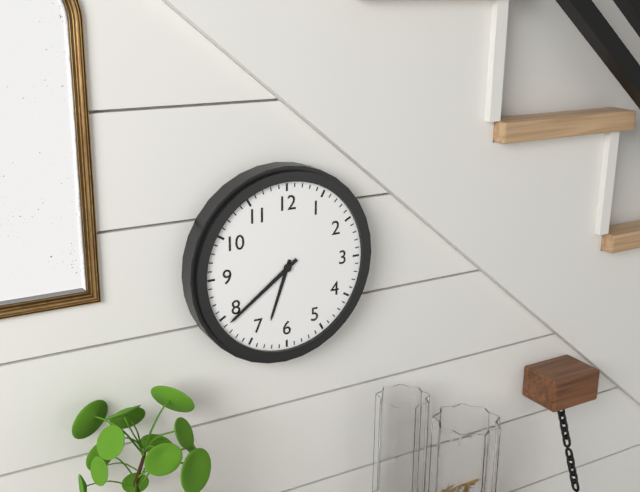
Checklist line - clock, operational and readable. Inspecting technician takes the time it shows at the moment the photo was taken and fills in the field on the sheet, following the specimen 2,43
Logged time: 6,39
